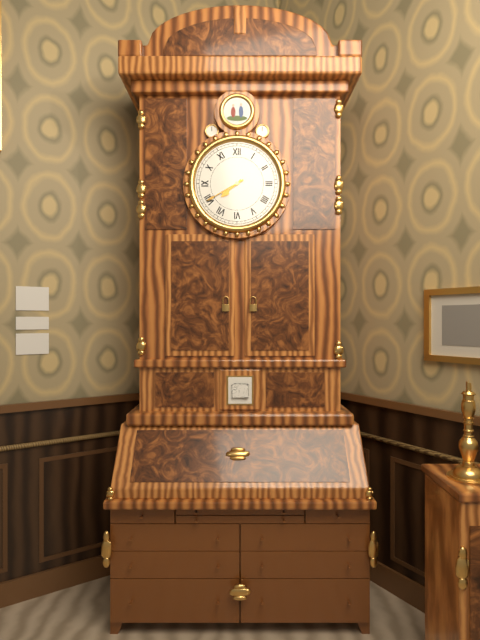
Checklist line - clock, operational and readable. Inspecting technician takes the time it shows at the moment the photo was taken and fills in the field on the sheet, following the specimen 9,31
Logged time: 7,40
